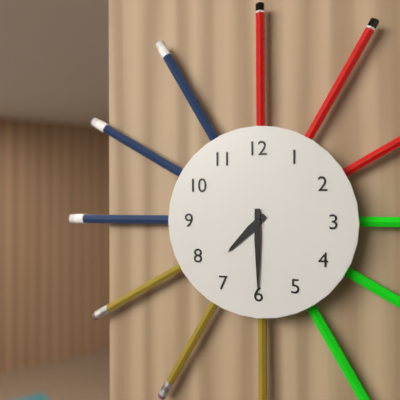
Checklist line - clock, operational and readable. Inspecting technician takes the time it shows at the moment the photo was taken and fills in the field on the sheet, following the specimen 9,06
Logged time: 7,30
